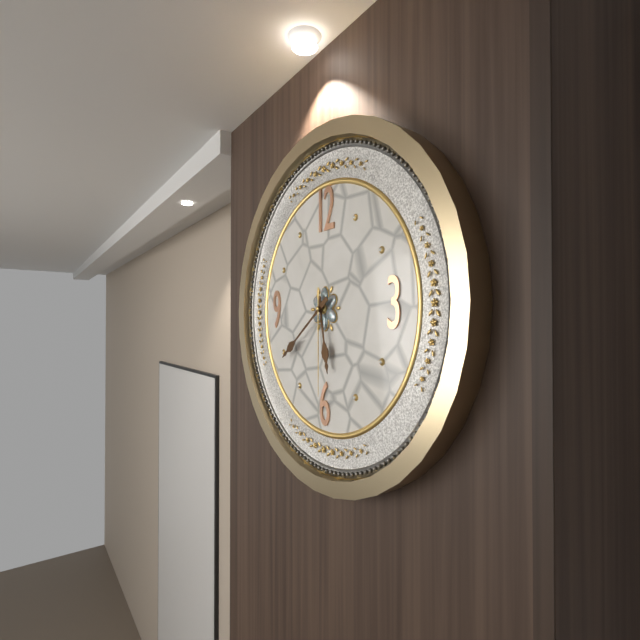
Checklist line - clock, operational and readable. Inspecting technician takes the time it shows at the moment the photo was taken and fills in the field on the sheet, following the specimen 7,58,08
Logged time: 5,39,30
